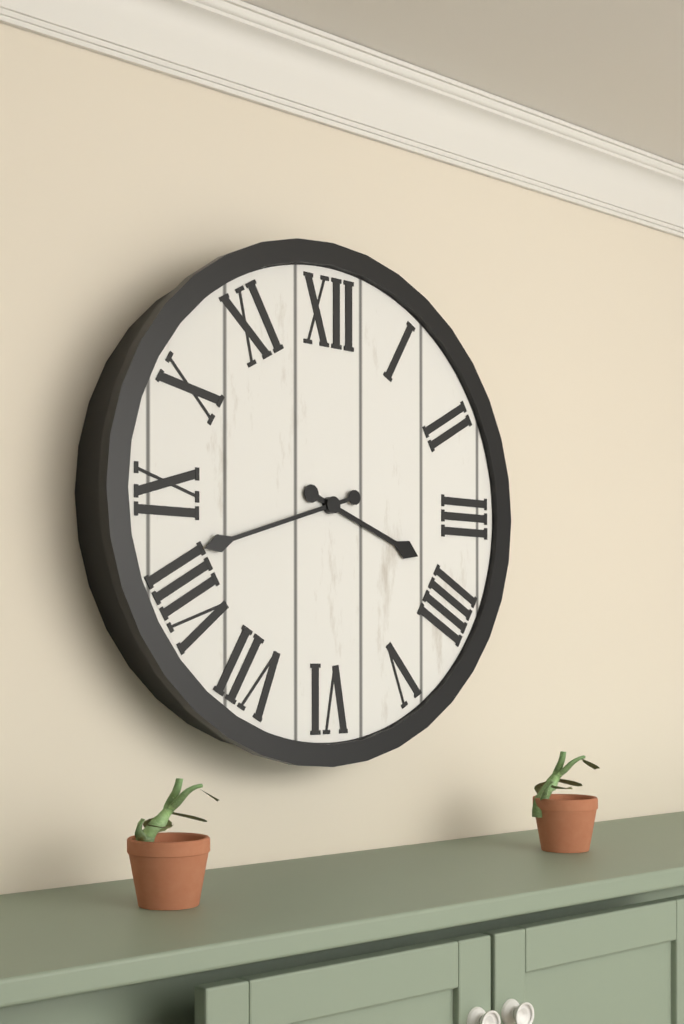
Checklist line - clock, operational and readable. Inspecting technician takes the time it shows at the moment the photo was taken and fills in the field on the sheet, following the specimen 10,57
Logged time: 3,42
